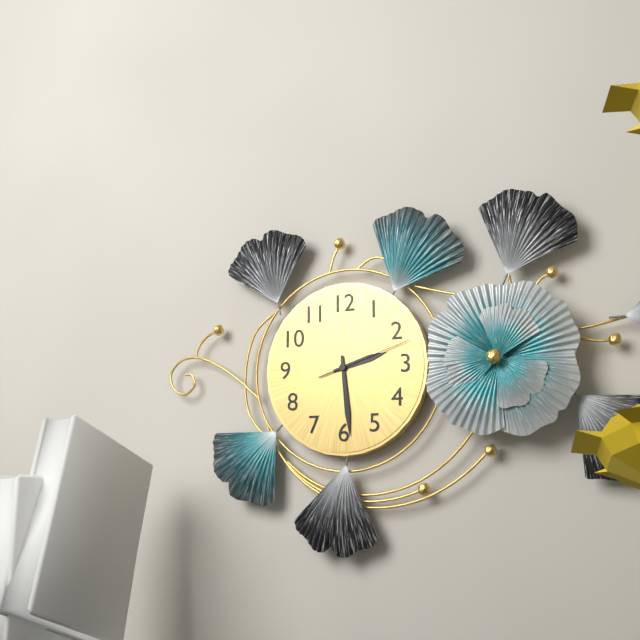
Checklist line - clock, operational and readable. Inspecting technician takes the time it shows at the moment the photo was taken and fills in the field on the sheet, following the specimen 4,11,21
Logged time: 2,29,12
